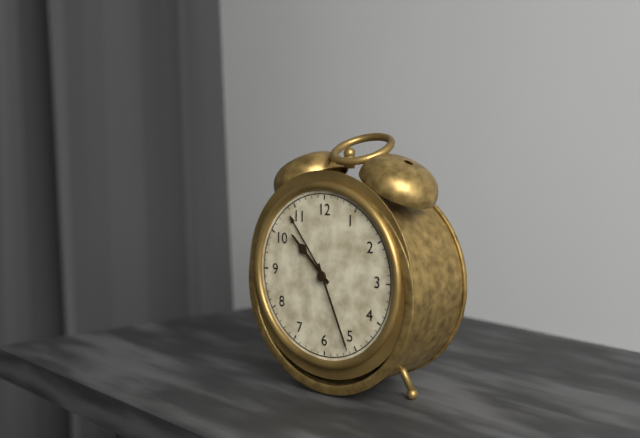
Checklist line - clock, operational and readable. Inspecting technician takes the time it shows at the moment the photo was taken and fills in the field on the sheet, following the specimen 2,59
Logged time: 10,26
